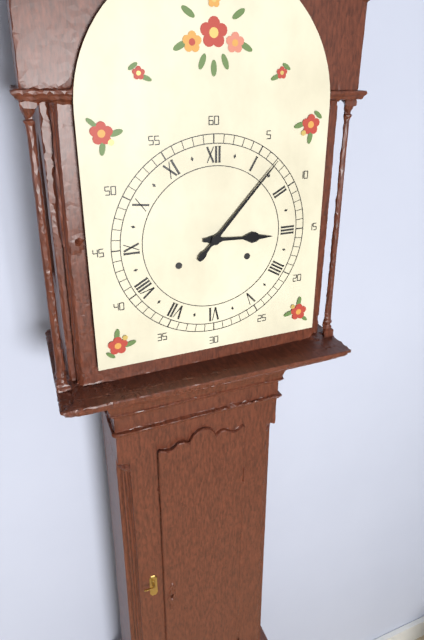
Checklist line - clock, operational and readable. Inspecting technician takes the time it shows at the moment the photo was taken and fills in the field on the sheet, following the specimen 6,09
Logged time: 3,07
